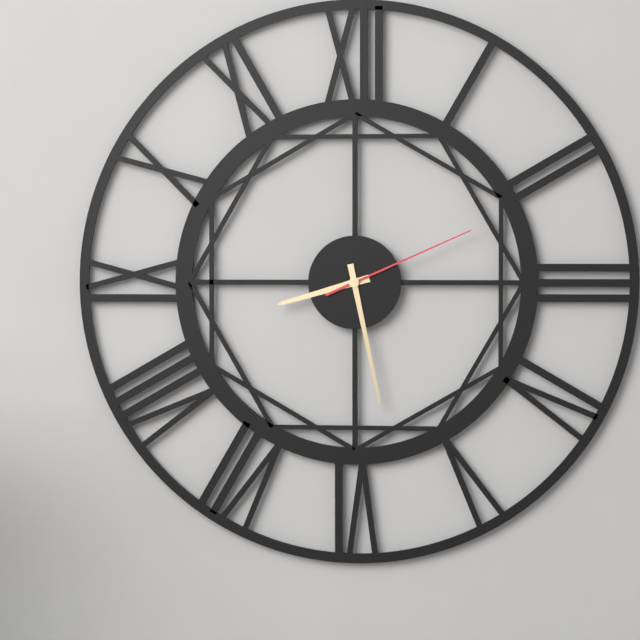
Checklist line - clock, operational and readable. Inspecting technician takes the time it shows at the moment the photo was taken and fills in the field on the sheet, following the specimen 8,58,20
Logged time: 8,28,11
